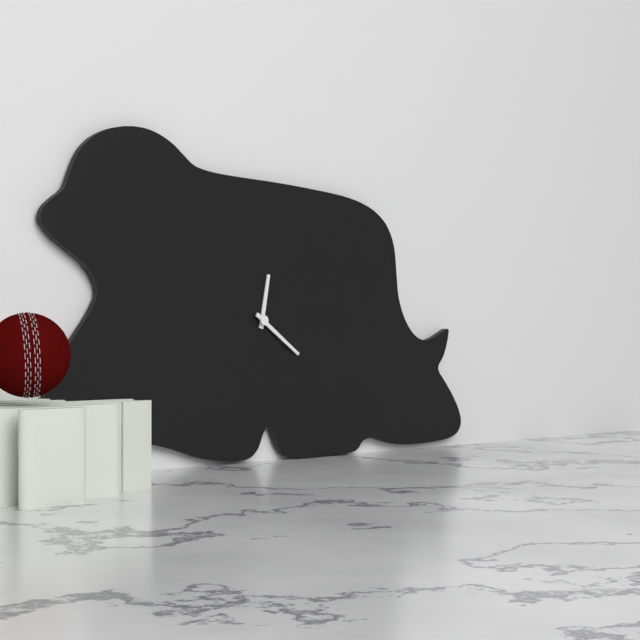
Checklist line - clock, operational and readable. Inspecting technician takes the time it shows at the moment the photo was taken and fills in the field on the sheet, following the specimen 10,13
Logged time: 12,21
